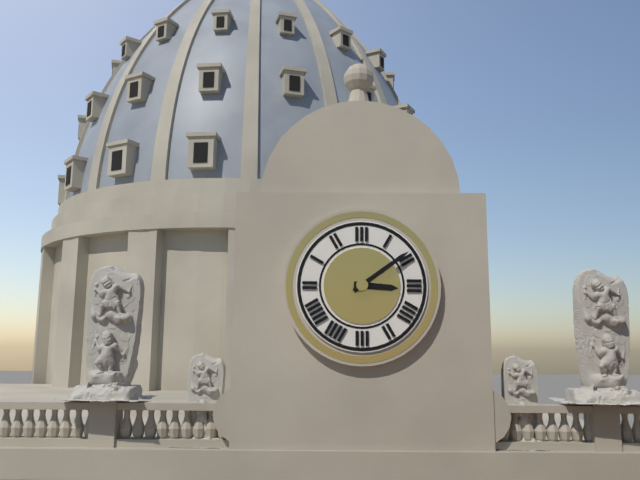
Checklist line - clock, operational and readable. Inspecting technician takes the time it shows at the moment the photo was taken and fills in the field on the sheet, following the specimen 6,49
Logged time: 3,09
